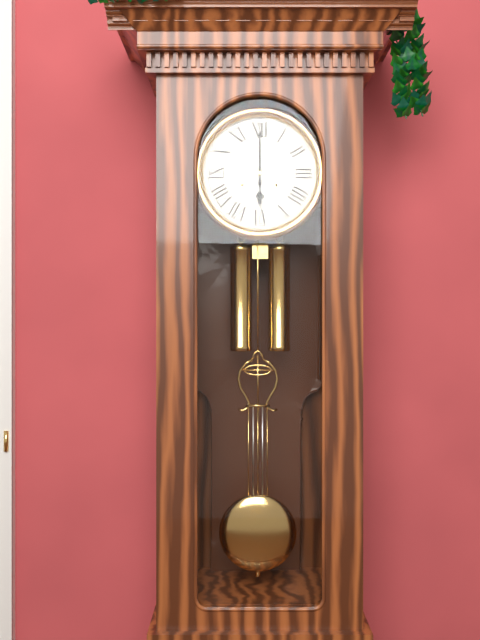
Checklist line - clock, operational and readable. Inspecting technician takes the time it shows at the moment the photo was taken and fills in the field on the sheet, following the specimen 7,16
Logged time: 6,00
